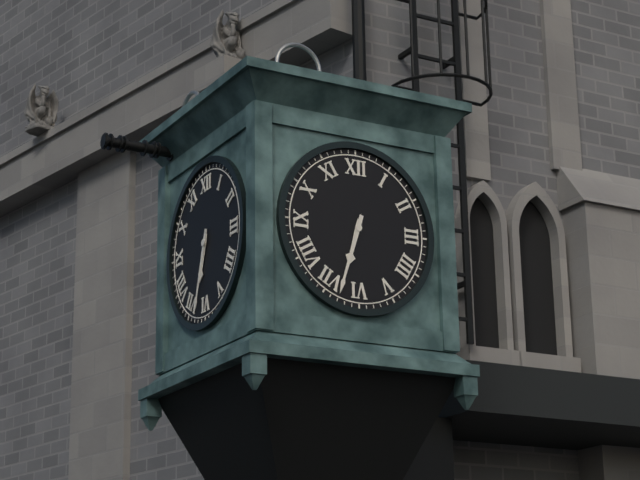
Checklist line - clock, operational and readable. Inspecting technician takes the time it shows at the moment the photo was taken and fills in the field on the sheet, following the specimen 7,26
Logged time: 6,33
